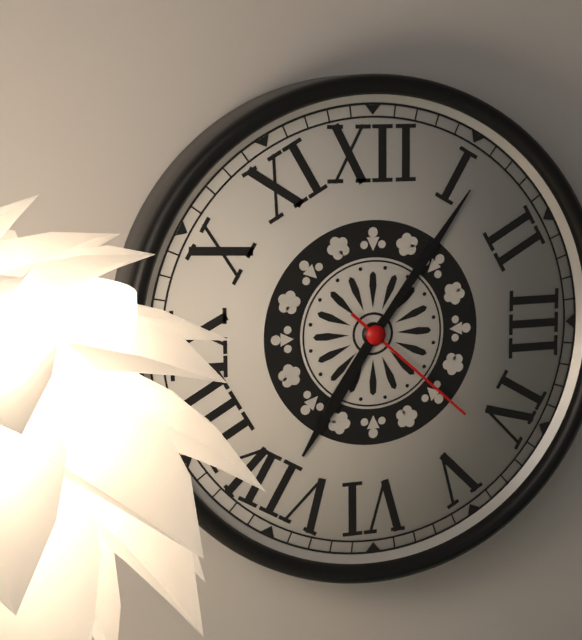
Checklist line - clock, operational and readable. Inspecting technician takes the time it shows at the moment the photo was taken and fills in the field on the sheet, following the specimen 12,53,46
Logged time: 7,06,22
